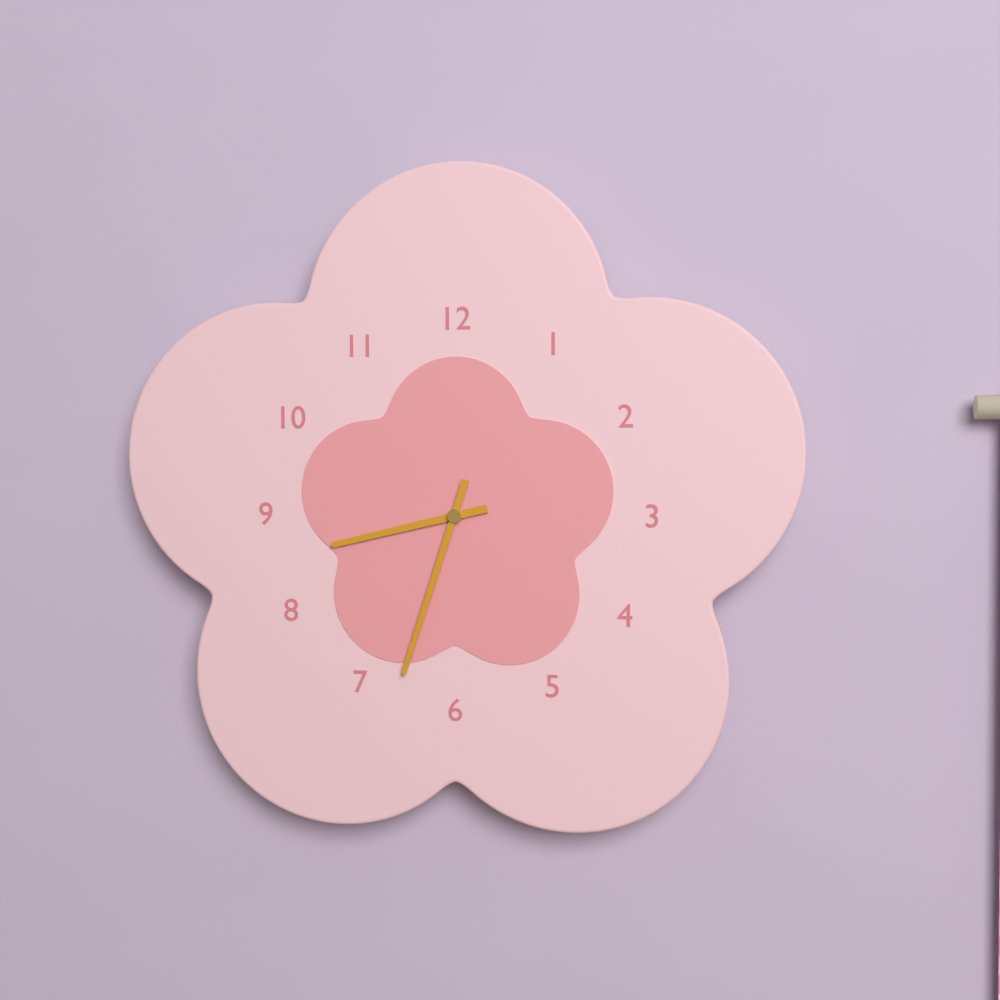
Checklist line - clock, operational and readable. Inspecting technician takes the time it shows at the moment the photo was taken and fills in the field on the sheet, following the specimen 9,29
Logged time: 8,33
